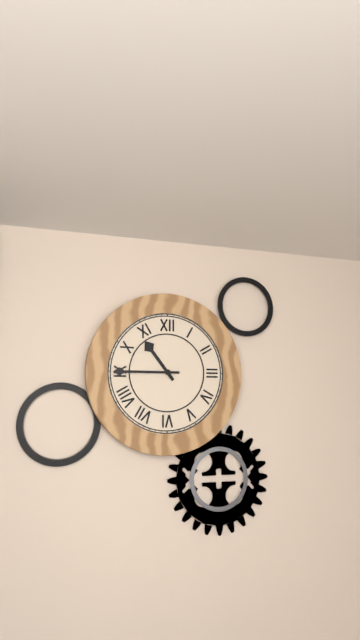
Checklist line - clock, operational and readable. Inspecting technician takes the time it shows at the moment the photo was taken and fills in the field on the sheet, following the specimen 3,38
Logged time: 10,45
